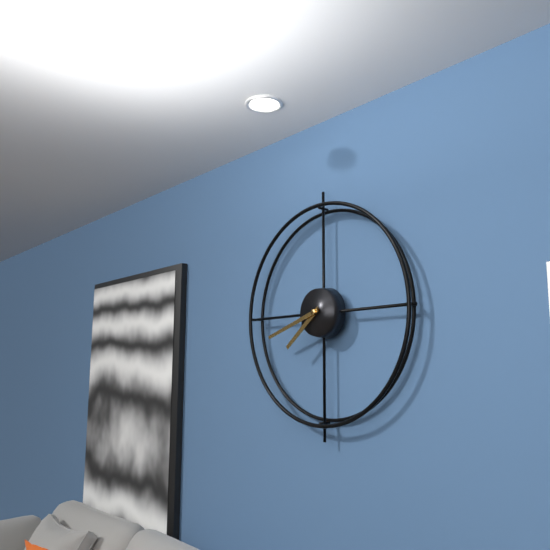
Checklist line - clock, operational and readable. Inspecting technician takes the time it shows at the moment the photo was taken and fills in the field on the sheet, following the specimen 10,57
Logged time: 7,42
